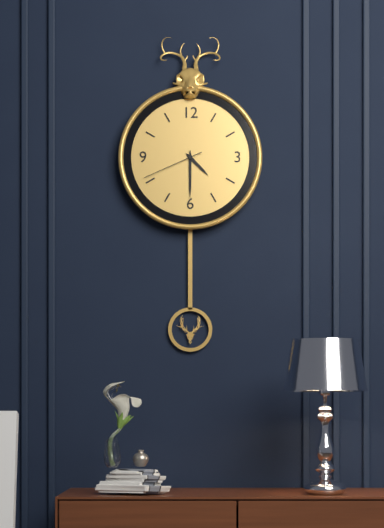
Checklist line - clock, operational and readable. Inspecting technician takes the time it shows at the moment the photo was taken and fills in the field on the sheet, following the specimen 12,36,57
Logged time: 4,30,41
